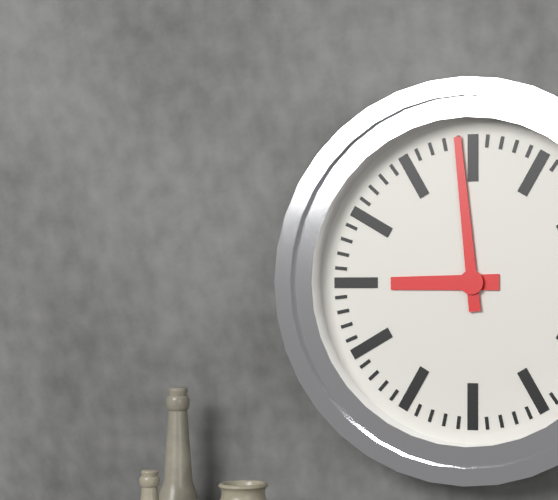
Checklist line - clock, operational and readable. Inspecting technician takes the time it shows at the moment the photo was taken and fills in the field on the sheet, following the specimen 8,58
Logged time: 8,59
